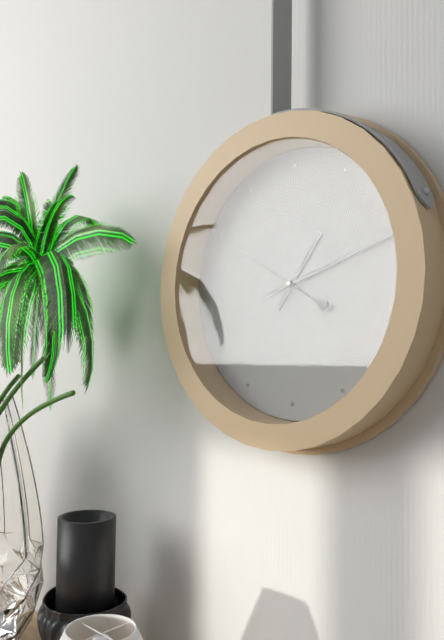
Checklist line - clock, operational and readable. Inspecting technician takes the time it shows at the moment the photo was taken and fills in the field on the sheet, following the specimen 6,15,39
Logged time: 1,12,50
